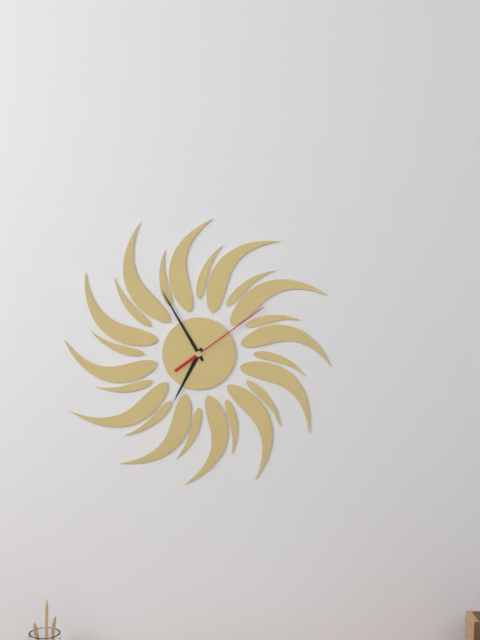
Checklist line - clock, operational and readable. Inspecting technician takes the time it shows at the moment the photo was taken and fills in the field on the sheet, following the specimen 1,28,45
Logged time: 6,55,09
